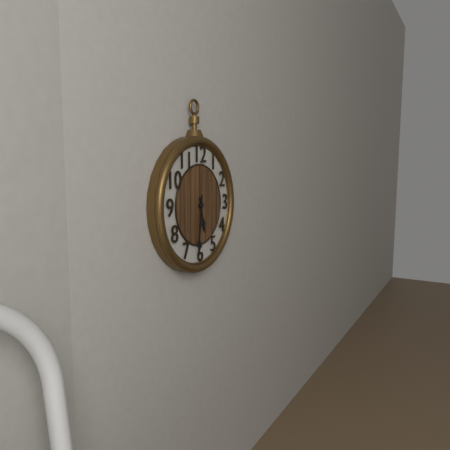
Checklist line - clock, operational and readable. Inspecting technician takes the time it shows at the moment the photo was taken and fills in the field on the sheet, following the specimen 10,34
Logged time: 5,31
